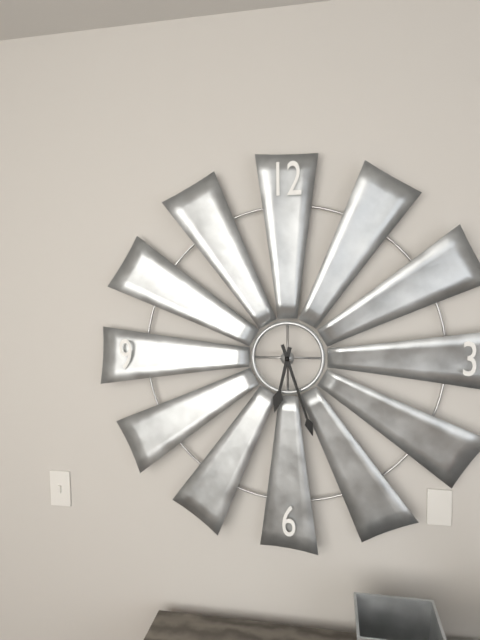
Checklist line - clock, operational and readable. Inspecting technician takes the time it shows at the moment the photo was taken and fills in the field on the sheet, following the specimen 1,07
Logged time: 6,27
